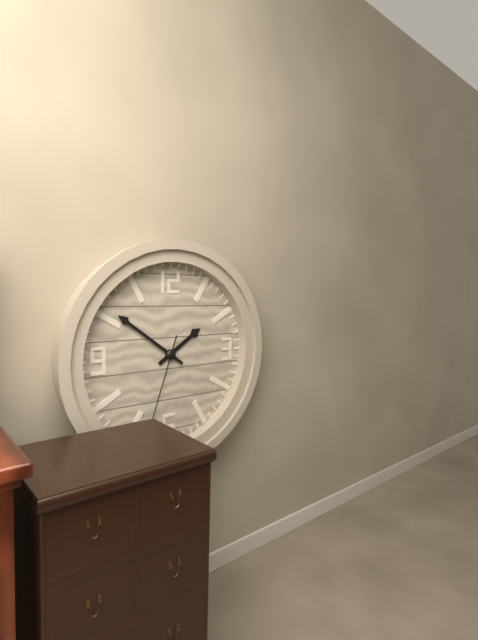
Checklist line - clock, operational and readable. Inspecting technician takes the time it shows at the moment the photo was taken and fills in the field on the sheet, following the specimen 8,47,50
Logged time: 1,51,33
